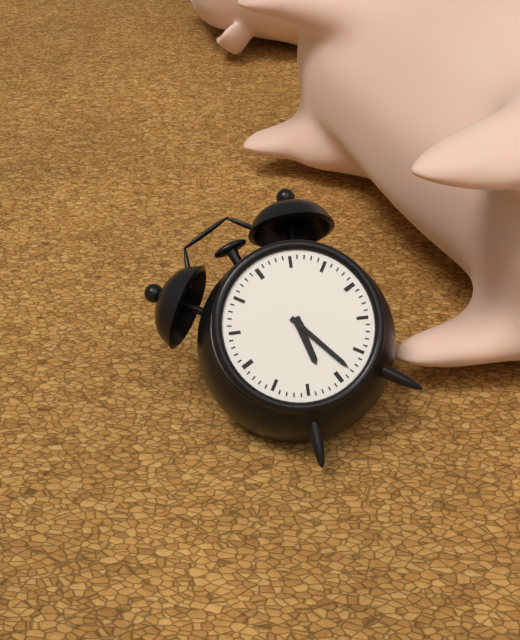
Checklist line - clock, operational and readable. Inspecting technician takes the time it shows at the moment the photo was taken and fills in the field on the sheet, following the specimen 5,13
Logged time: 6,28
